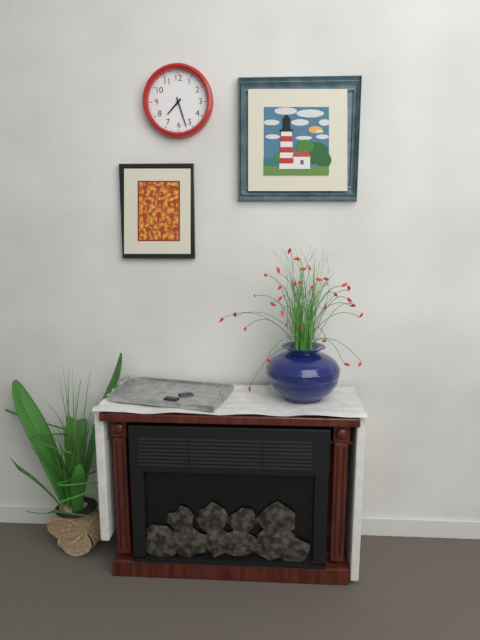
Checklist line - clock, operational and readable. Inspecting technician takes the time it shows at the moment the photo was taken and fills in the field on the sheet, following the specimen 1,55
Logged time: 7,27
